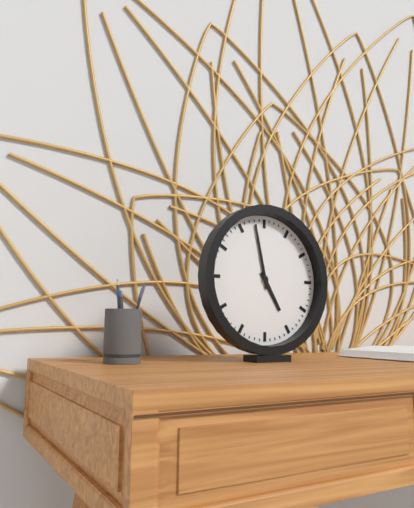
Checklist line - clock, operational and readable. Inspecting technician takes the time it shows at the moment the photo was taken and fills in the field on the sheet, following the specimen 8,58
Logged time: 4,58
